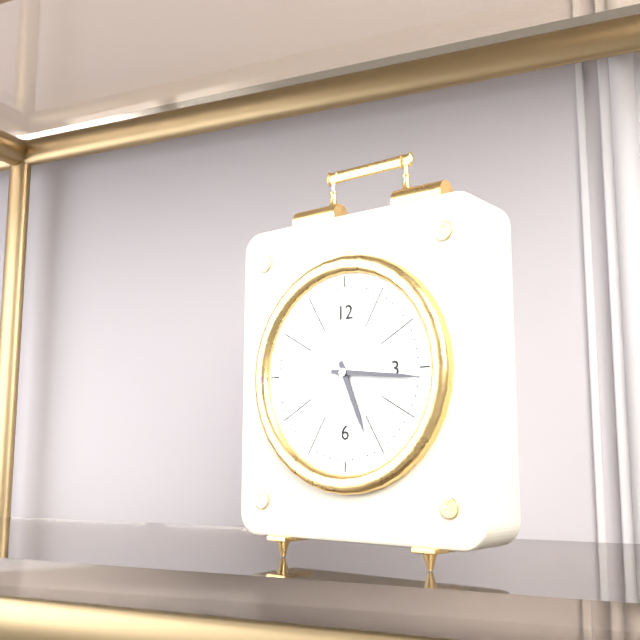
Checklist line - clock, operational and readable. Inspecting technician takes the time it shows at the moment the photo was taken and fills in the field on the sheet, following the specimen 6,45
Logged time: 5,16
